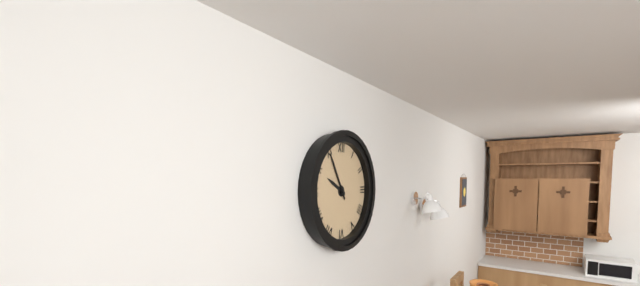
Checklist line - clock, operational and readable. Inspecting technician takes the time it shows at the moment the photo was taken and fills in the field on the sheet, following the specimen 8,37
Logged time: 9,55
